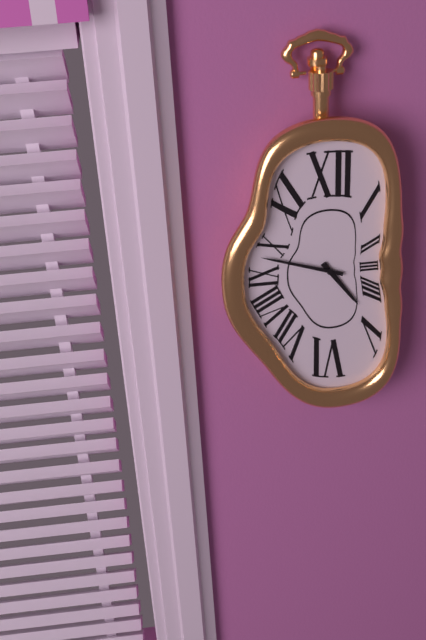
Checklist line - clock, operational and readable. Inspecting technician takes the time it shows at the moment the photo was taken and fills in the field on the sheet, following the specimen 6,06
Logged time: 4,48
